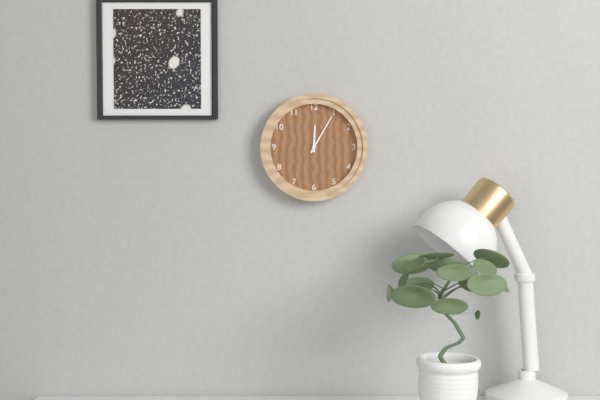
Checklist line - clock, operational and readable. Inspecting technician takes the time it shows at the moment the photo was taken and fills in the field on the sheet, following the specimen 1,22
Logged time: 12,05
